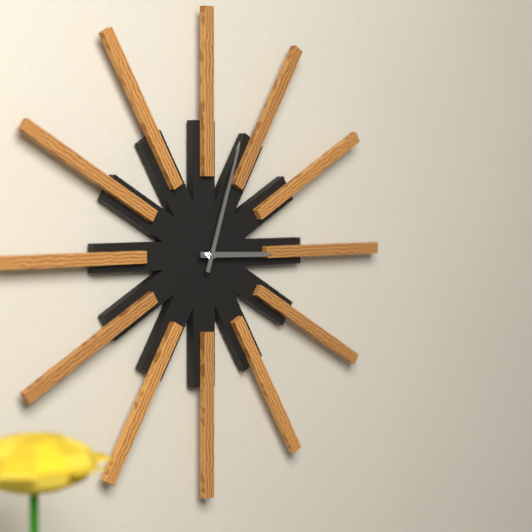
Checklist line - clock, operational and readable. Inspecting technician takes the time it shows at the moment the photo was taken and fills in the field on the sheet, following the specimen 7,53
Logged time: 3,03
